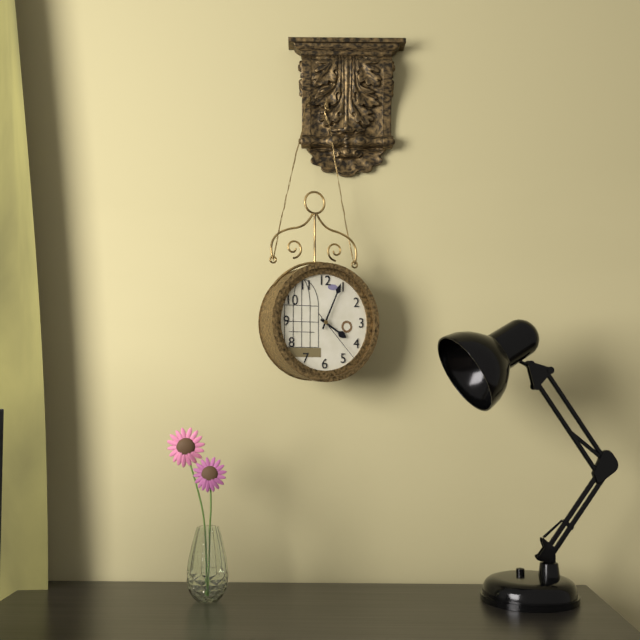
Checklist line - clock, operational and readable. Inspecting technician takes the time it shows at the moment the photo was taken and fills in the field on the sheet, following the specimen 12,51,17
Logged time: 4,04,23
